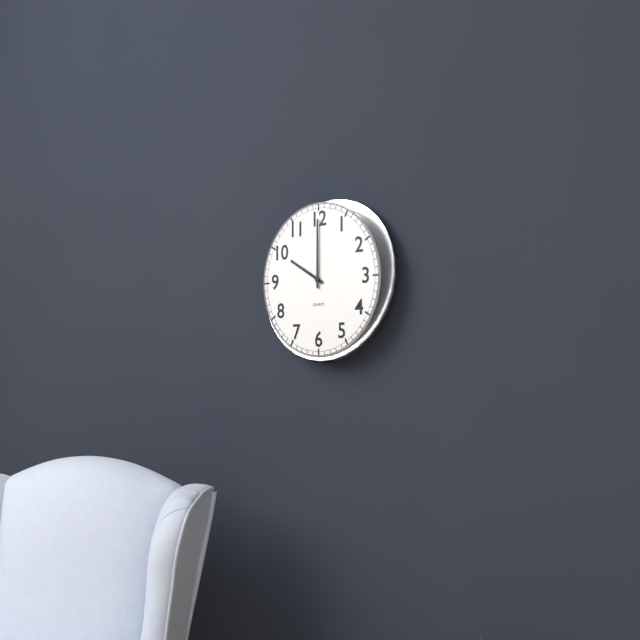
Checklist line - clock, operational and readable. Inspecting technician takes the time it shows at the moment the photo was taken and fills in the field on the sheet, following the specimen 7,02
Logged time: 10,00
